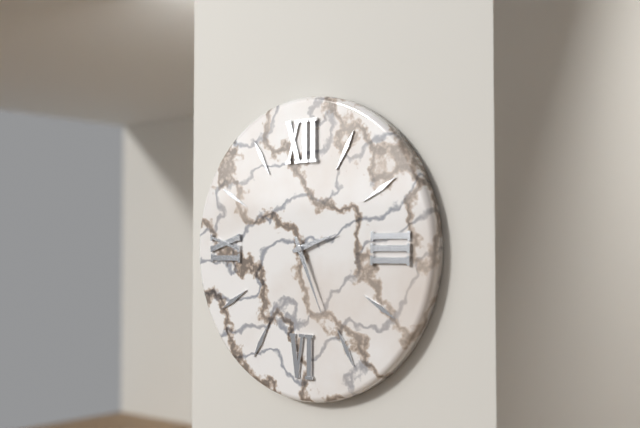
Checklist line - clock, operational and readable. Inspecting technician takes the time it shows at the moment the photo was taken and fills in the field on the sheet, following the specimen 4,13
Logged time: 2,26
